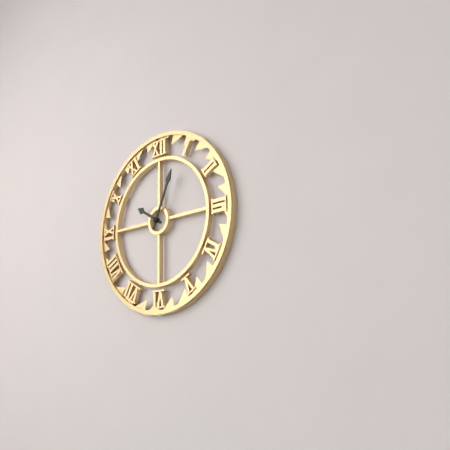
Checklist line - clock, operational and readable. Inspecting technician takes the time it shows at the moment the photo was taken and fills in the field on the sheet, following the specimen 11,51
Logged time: 10,04
